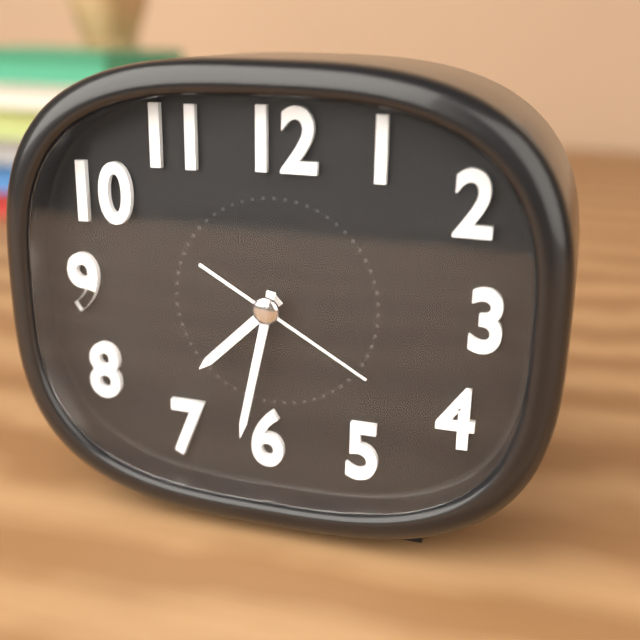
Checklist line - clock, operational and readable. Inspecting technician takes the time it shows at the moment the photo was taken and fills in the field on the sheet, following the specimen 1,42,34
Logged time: 7,32,20
